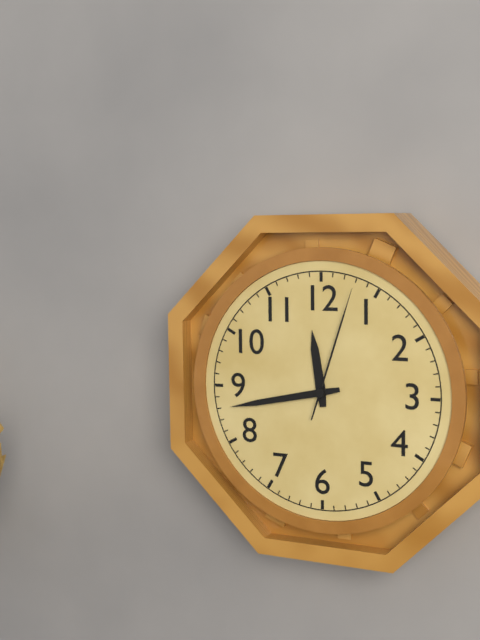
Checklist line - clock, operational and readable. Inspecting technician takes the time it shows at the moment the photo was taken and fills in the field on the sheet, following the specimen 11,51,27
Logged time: 11,43,03
